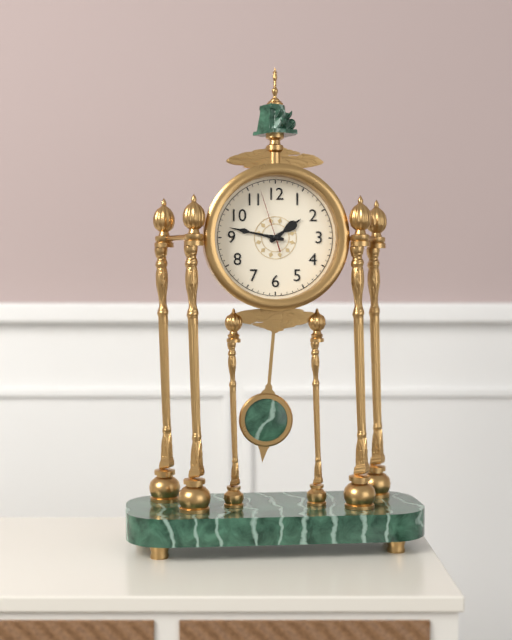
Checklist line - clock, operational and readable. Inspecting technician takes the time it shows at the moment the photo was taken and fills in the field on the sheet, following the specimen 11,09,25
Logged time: 1,47,57
